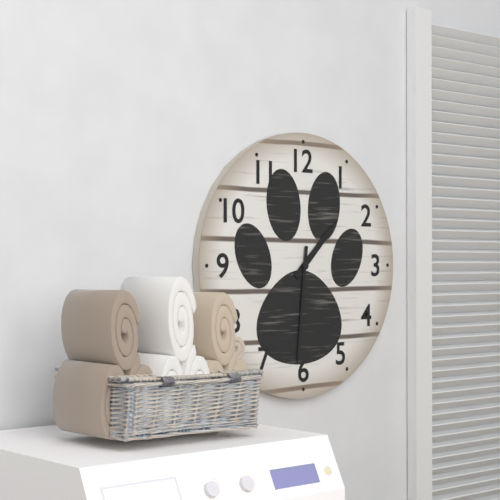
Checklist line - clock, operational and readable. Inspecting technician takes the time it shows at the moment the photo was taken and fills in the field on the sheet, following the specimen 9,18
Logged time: 1,31
